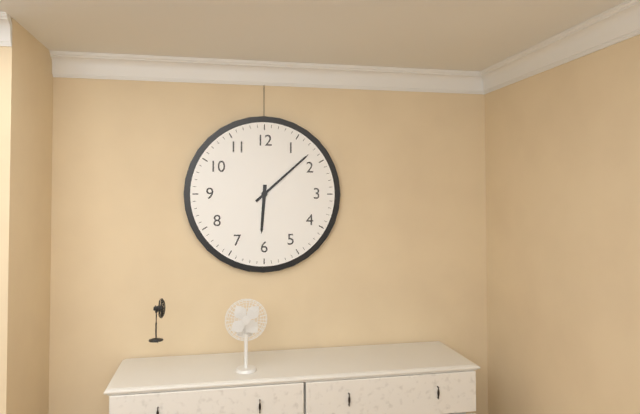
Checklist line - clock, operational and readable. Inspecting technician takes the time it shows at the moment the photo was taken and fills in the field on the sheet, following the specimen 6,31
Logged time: 6,08
